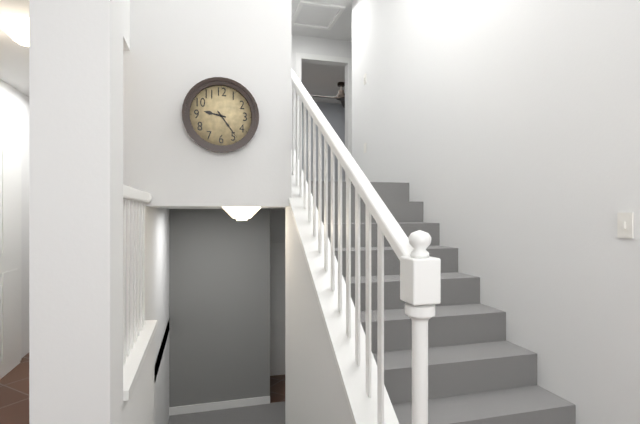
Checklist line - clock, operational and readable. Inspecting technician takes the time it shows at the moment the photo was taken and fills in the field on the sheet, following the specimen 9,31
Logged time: 9,24
